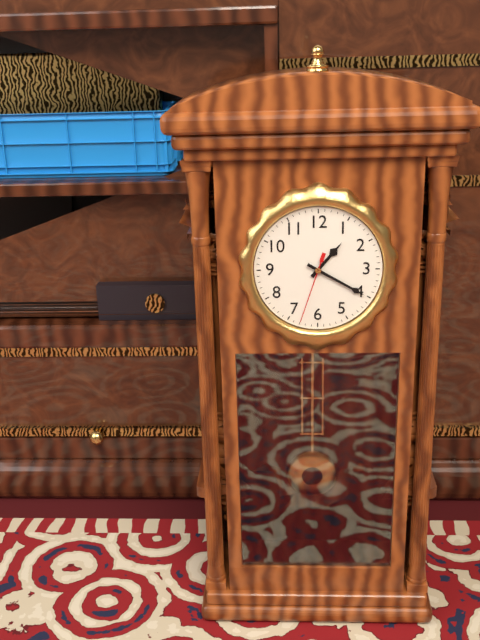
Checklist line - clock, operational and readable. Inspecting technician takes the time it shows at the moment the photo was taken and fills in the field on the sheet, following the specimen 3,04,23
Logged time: 1,20,33
